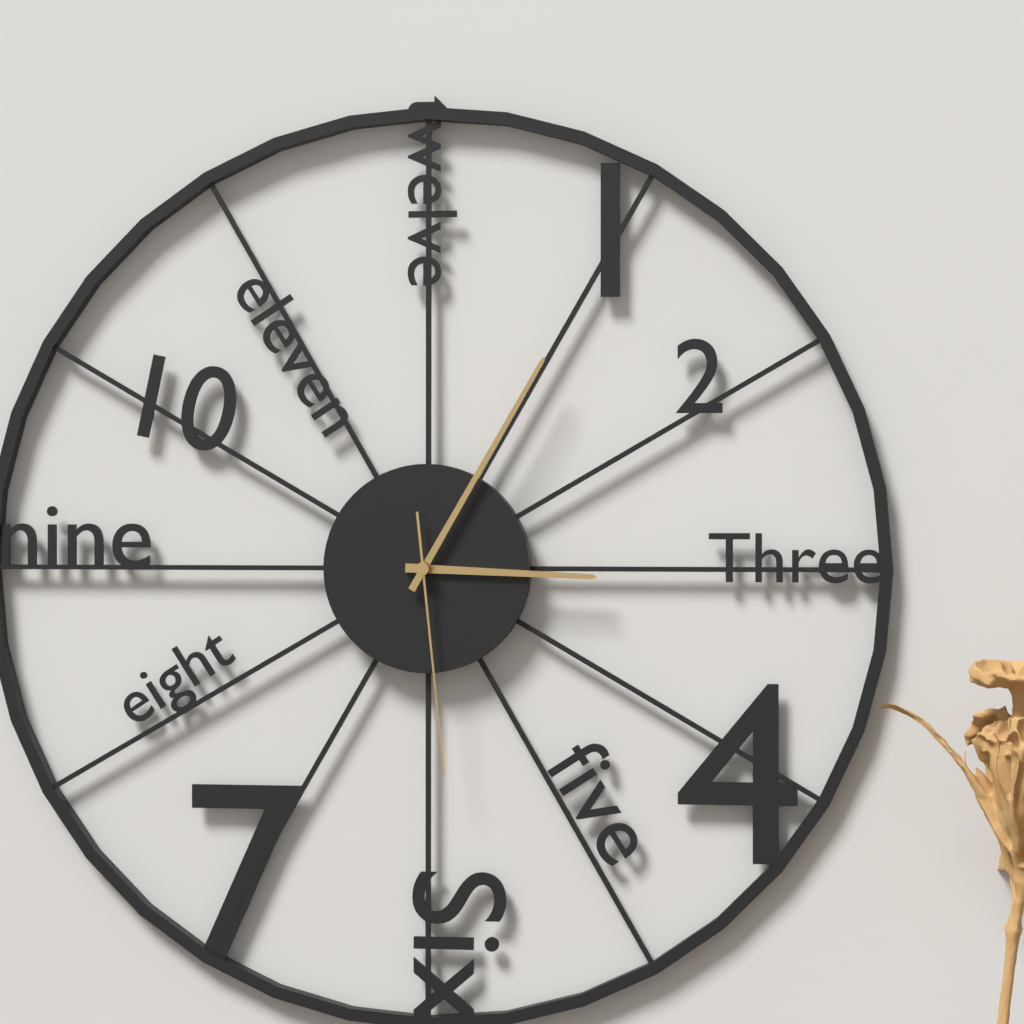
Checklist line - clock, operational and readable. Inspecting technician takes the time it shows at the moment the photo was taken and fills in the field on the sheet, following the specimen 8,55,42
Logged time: 3,05,29
